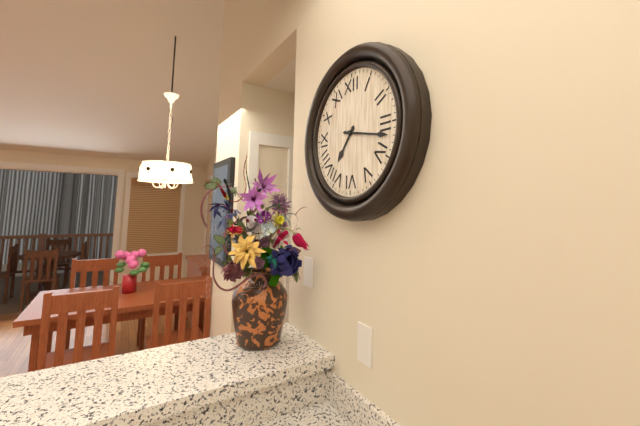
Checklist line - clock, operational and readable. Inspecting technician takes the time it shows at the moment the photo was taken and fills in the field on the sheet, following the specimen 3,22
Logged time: 7,17
